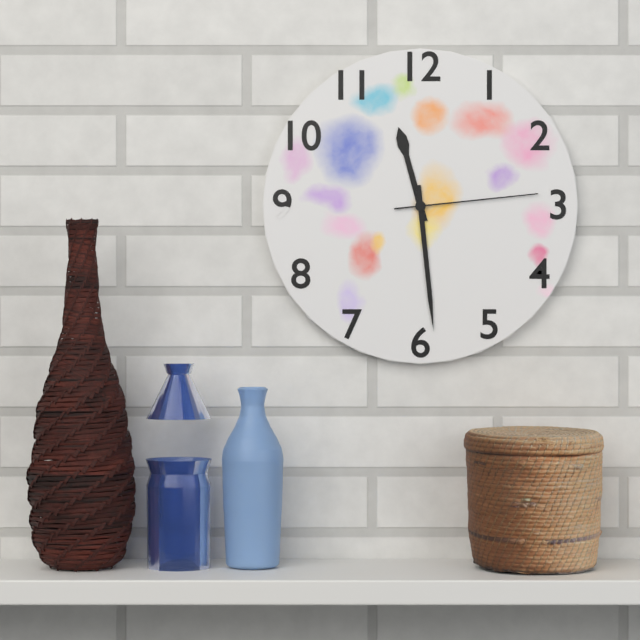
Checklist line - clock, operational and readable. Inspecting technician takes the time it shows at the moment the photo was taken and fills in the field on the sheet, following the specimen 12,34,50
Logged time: 11,29,14
